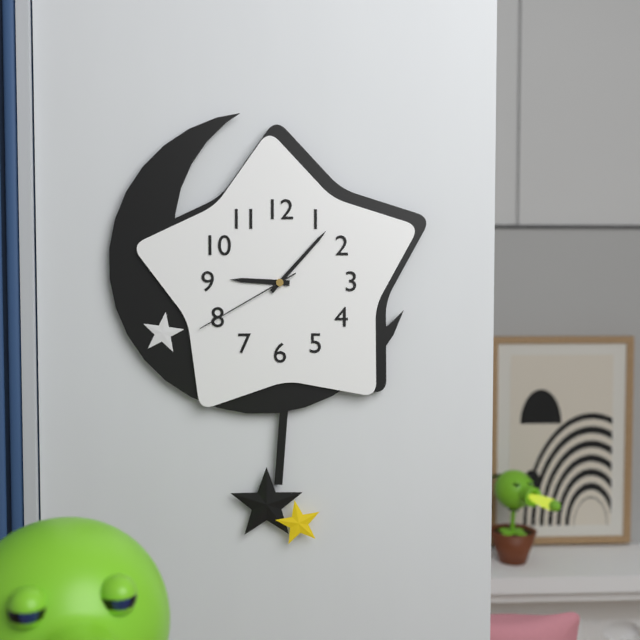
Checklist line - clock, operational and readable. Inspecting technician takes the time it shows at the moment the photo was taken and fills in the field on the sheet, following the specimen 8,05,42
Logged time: 9,07,40
